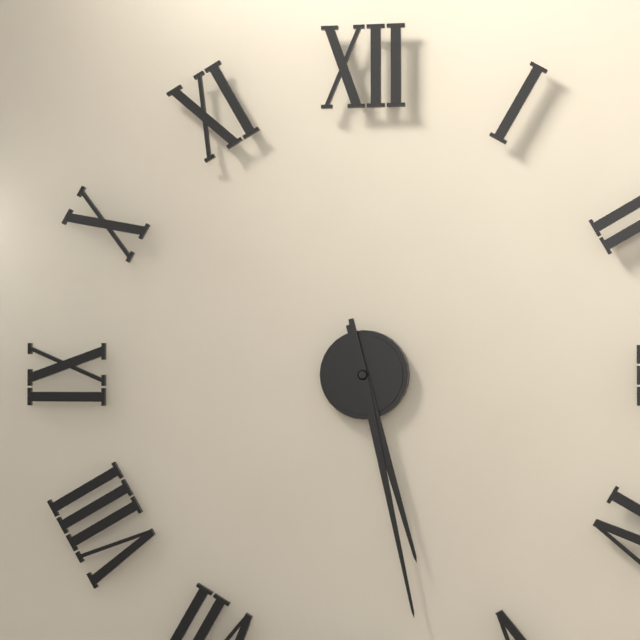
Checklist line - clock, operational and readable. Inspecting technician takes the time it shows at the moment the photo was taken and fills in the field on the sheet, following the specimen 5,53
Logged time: 5,28
